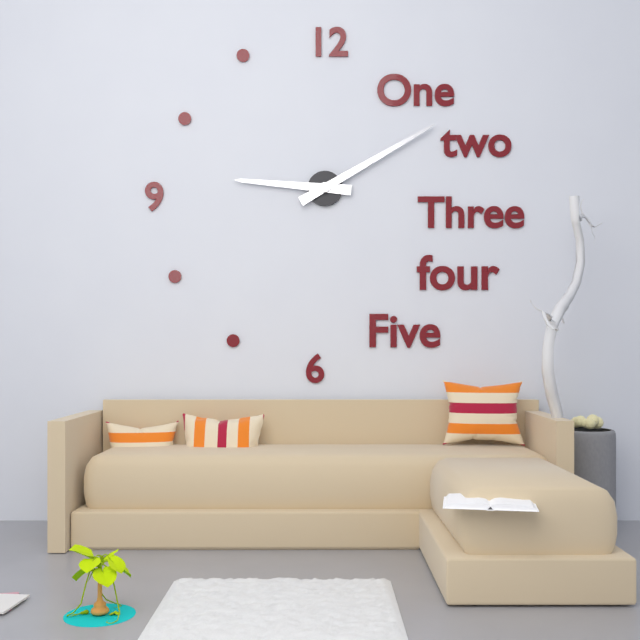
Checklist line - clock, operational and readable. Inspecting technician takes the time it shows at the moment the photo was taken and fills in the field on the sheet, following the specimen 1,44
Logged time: 9,10
